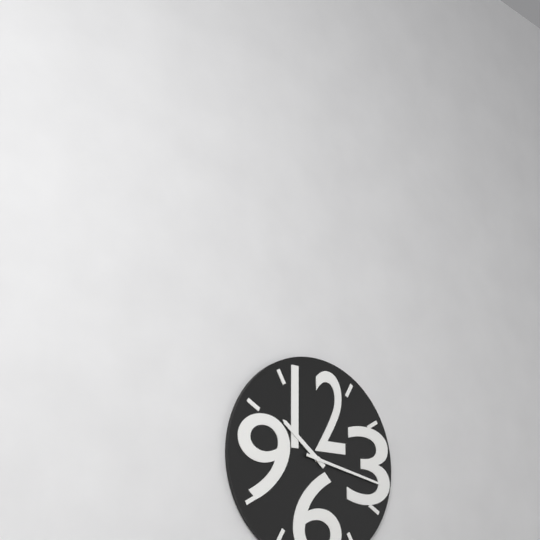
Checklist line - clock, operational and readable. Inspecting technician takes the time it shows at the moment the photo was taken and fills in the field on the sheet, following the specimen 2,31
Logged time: 10,17
